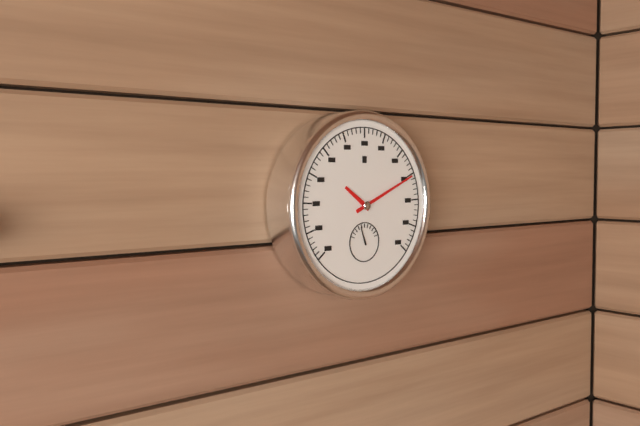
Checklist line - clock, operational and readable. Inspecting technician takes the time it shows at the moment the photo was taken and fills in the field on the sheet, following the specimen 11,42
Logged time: 10,11
